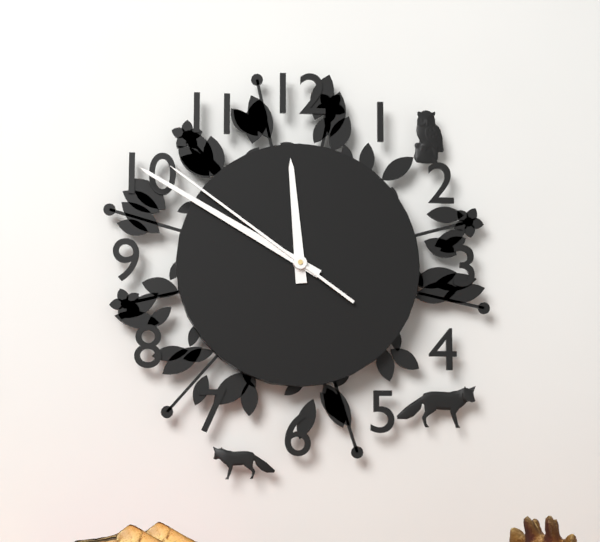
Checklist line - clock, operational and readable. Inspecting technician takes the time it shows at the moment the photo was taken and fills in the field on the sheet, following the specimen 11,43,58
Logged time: 11,50,51
